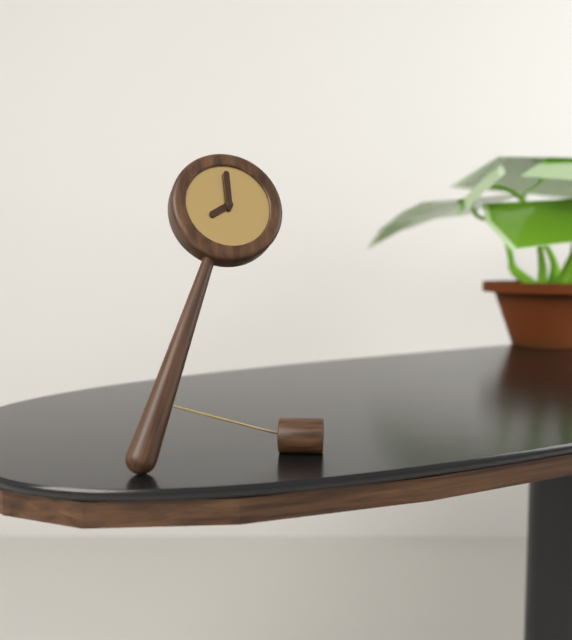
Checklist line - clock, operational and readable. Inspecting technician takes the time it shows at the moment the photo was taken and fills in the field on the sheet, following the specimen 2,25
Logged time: 8,00
